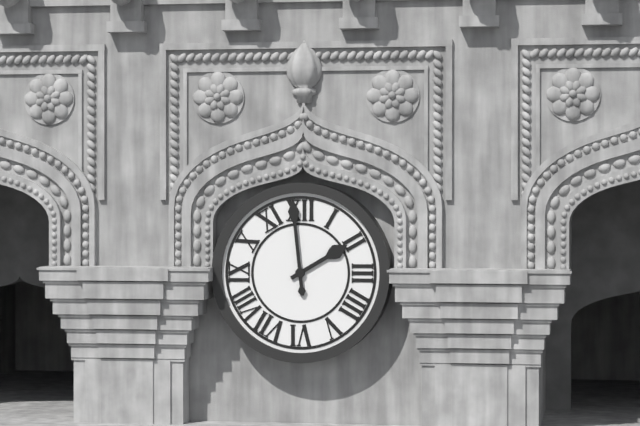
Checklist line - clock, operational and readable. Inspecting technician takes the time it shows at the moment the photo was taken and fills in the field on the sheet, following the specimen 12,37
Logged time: 1,59
